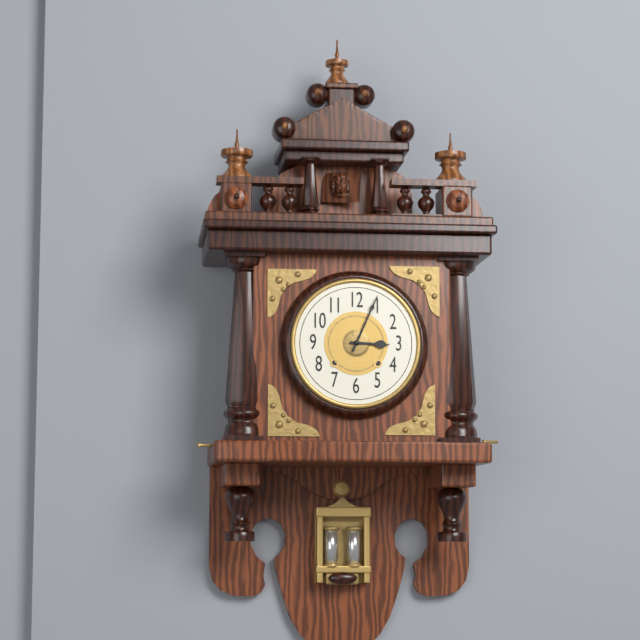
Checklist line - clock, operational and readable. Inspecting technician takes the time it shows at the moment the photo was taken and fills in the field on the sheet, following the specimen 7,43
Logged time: 3,04
